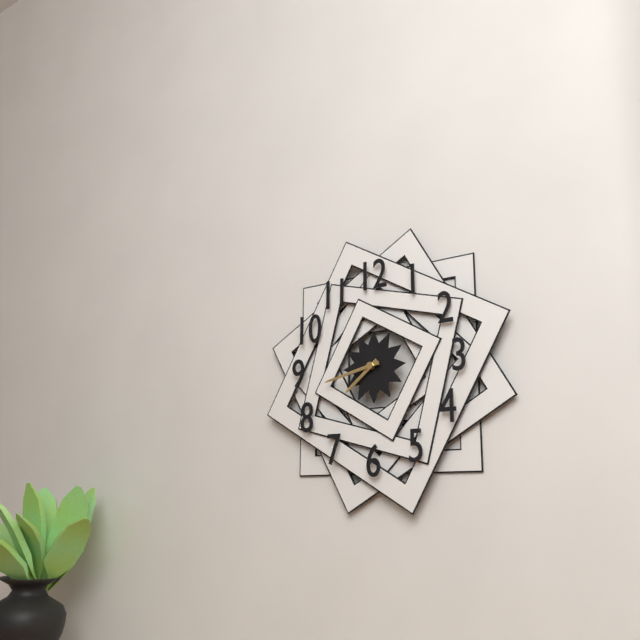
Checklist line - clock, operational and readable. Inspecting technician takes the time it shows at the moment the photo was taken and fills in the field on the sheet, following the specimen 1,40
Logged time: 7,43
